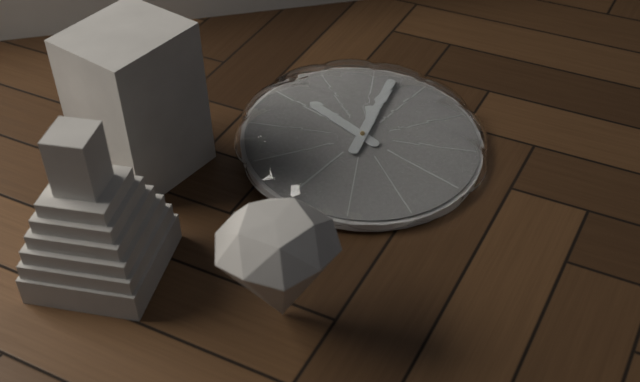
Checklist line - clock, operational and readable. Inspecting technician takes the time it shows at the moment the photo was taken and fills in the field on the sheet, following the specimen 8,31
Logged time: 12,12
